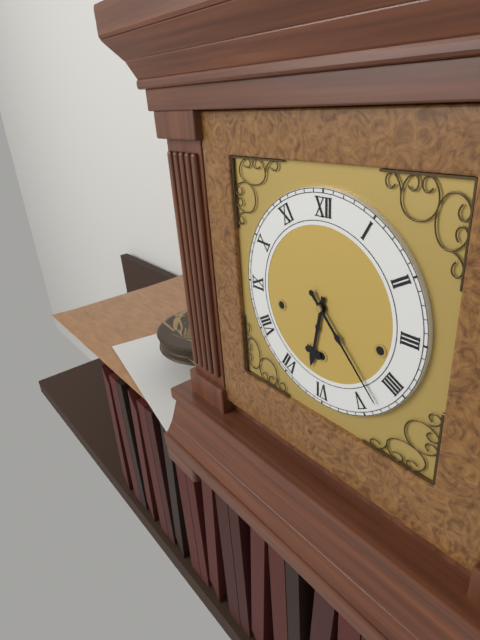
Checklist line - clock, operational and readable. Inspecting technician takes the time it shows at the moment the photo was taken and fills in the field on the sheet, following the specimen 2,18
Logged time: 6,23
